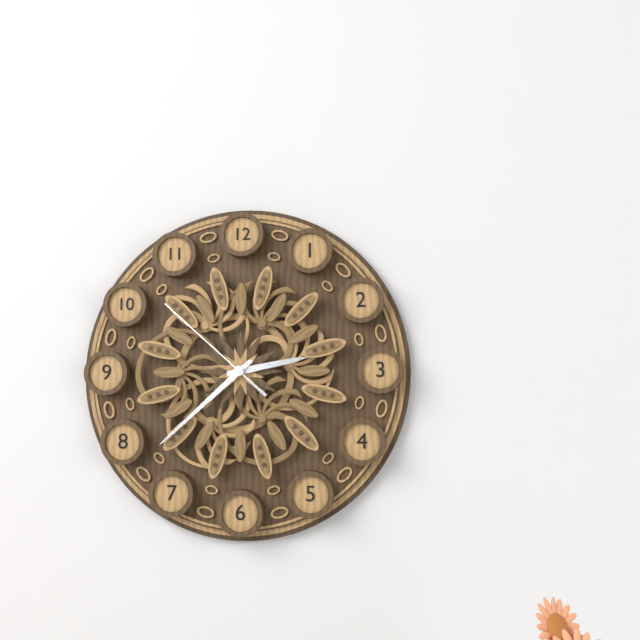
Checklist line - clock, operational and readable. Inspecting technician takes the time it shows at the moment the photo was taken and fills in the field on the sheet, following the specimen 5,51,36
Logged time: 2,38,52
